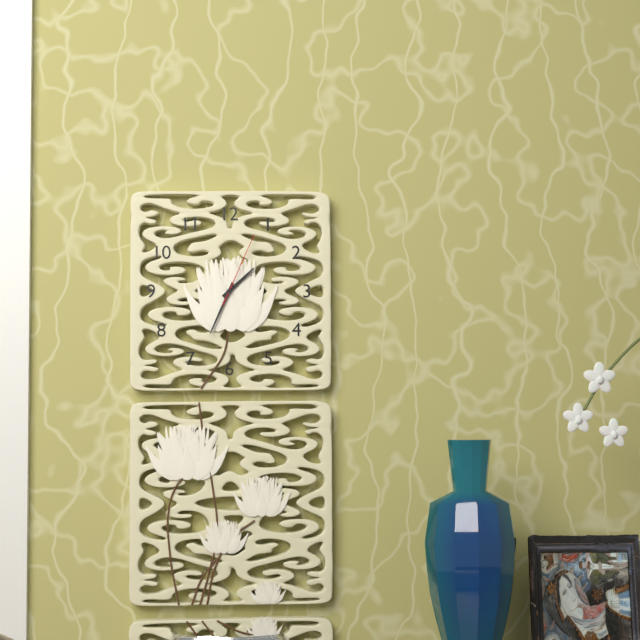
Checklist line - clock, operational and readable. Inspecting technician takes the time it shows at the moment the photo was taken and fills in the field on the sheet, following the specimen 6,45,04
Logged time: 1,34,04
